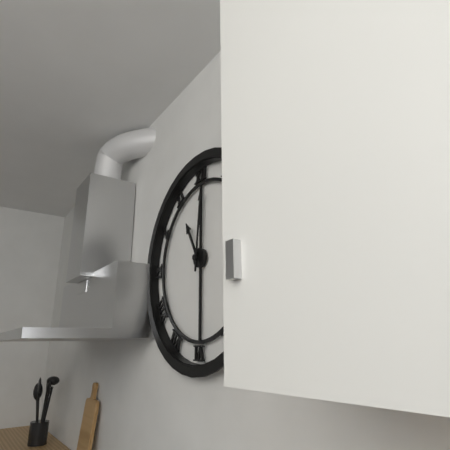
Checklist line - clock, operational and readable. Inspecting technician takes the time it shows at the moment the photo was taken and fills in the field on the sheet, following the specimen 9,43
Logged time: 11,01
